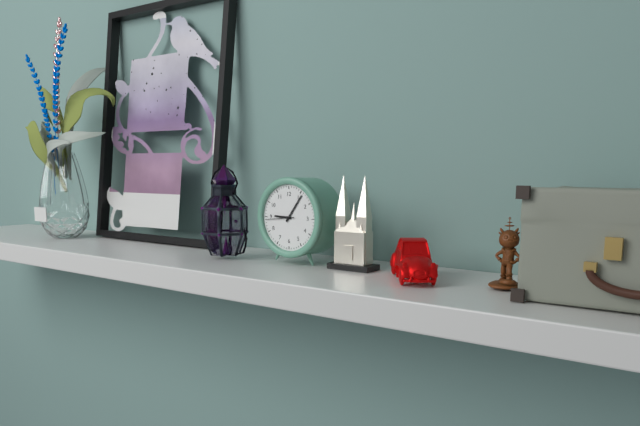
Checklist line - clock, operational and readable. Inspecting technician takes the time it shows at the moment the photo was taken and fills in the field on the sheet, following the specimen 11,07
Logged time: 9,06
